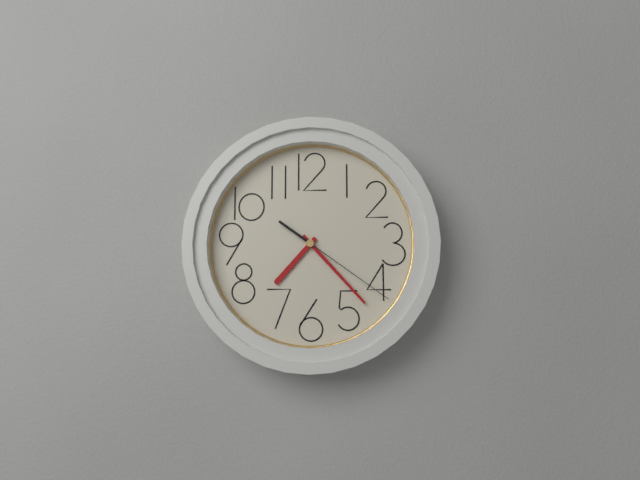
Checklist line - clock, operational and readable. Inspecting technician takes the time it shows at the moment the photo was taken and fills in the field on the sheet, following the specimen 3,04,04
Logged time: 7,23,21
